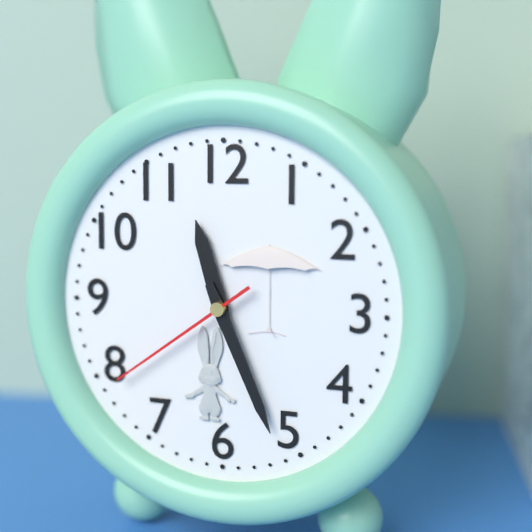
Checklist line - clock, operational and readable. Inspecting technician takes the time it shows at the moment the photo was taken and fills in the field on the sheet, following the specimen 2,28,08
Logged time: 11,26,39
